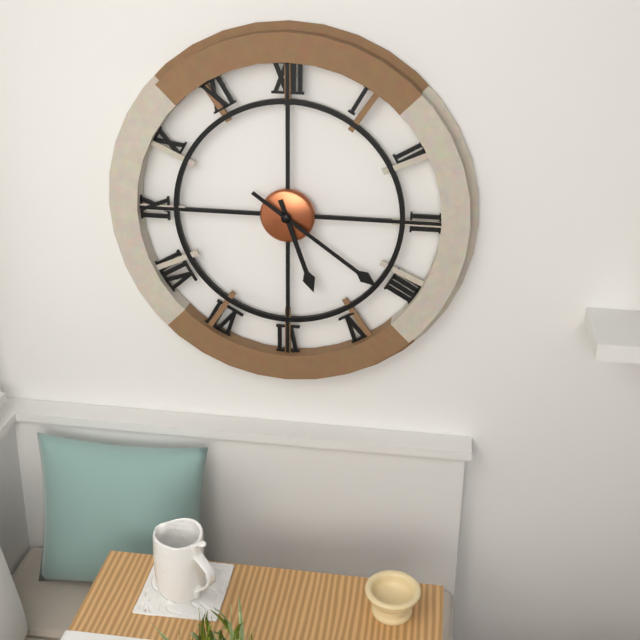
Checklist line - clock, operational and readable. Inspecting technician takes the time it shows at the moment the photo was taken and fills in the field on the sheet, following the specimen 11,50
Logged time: 5,21
